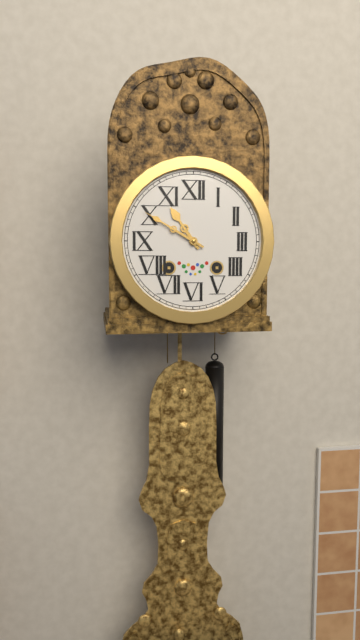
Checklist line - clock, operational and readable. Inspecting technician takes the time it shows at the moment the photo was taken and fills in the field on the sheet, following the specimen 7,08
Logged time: 10,50
